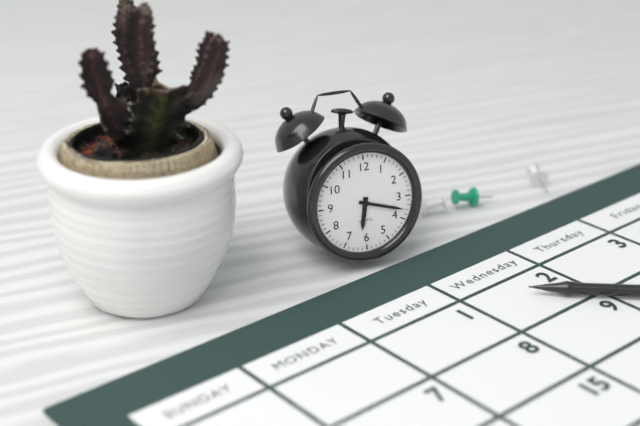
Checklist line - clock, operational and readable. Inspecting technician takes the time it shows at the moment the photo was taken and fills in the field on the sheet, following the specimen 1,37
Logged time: 6,18
